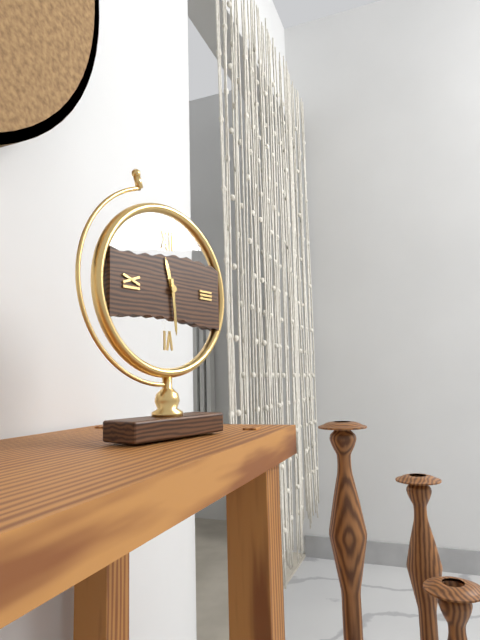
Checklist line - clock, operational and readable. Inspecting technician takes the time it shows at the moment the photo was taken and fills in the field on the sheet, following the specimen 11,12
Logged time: 11,29
